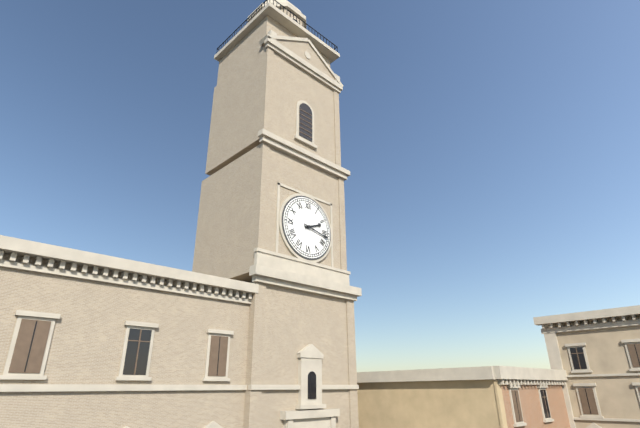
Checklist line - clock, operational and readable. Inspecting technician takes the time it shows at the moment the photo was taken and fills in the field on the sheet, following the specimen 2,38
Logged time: 2,17
